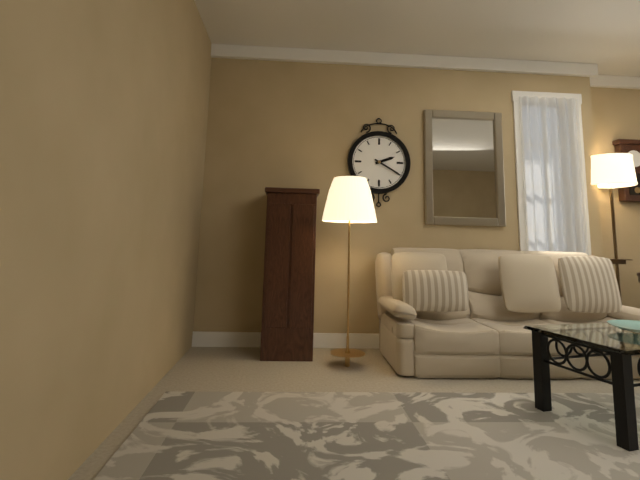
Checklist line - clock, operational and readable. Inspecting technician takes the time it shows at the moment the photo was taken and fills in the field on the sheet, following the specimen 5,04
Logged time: 2,20
